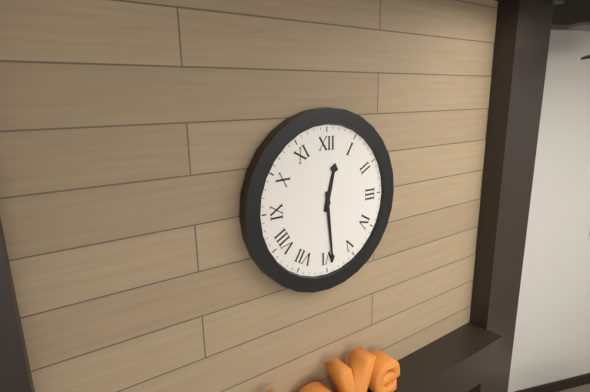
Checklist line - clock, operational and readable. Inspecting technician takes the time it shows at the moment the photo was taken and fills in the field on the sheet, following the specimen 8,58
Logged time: 12,29
